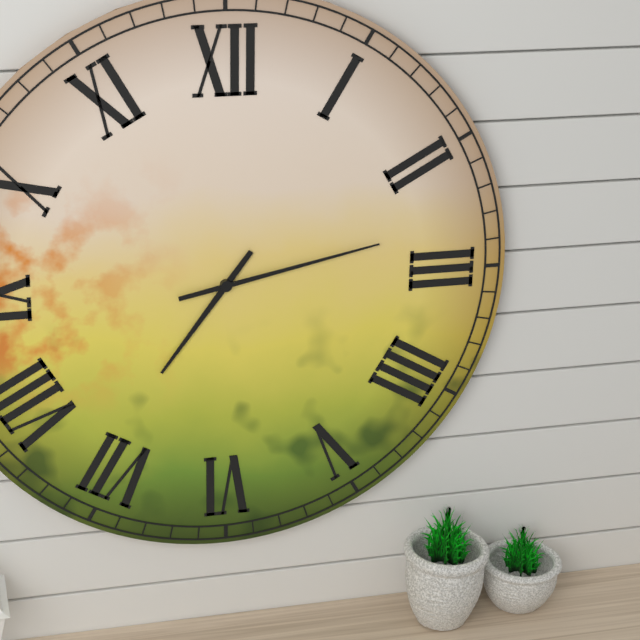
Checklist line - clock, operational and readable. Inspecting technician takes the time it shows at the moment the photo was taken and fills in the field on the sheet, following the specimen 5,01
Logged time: 7,13
